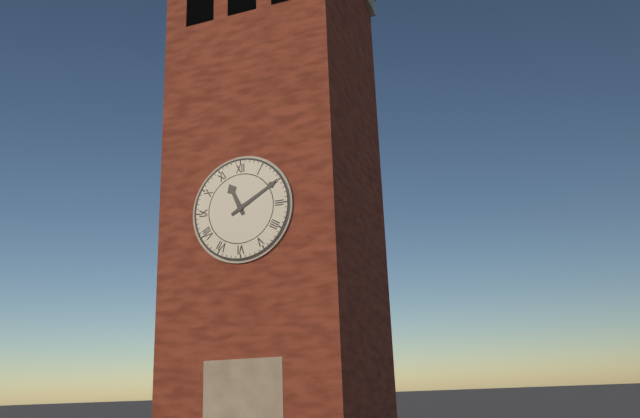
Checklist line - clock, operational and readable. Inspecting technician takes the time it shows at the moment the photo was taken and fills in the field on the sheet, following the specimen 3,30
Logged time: 11,10
